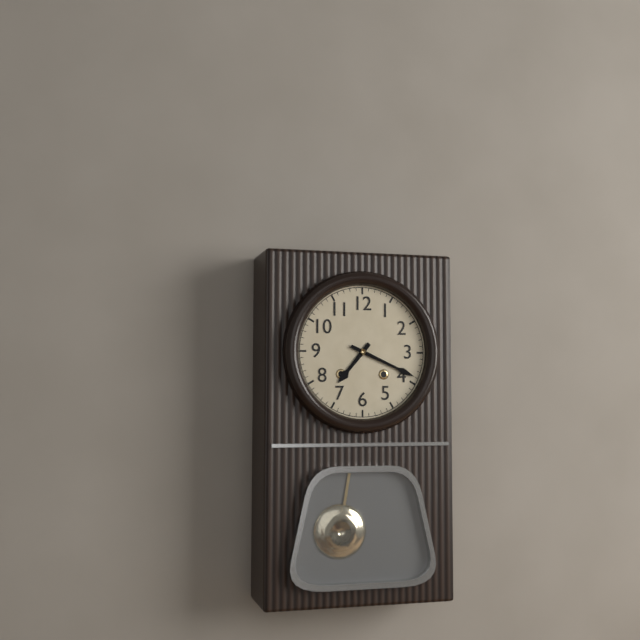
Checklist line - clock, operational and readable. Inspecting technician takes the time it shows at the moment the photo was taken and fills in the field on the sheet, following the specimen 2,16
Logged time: 7,19
